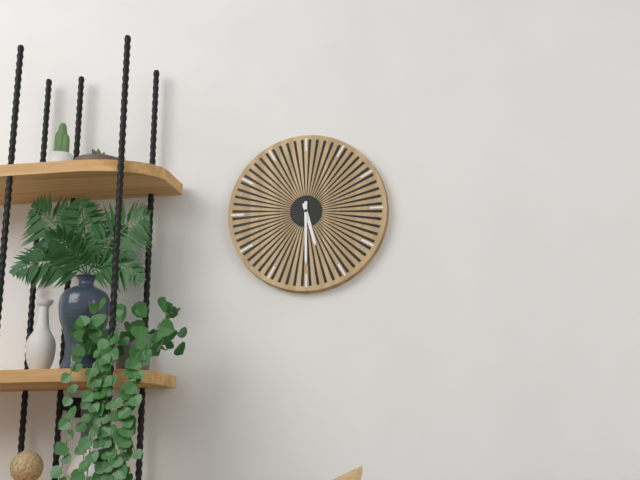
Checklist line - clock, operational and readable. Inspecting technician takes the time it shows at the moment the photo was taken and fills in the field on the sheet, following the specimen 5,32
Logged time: 5,30
